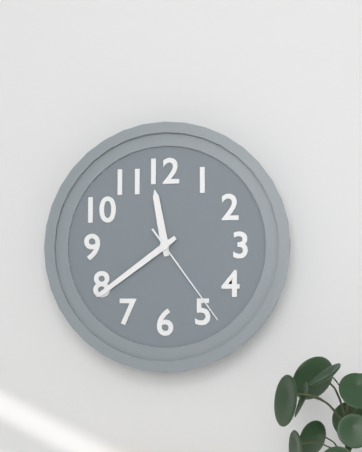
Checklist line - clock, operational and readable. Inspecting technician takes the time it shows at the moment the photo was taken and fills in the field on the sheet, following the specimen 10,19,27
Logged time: 11,39,24
